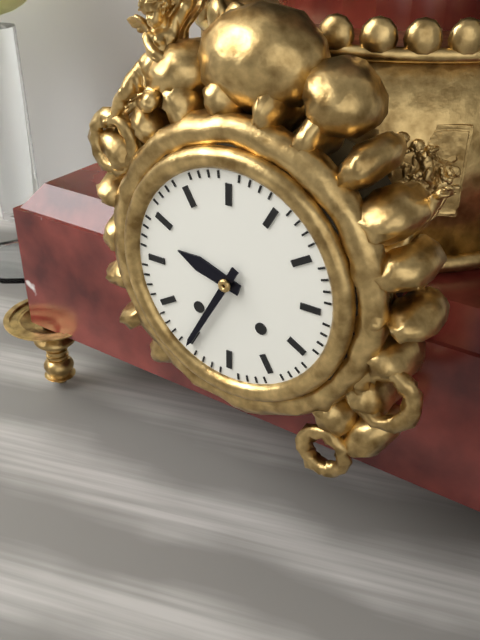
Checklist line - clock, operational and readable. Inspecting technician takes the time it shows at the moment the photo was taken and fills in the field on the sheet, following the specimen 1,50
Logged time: 9,35
